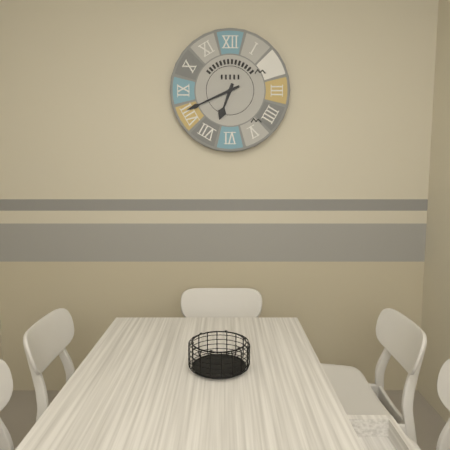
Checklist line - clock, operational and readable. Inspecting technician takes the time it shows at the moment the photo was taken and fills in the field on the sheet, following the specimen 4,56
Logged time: 6,41
